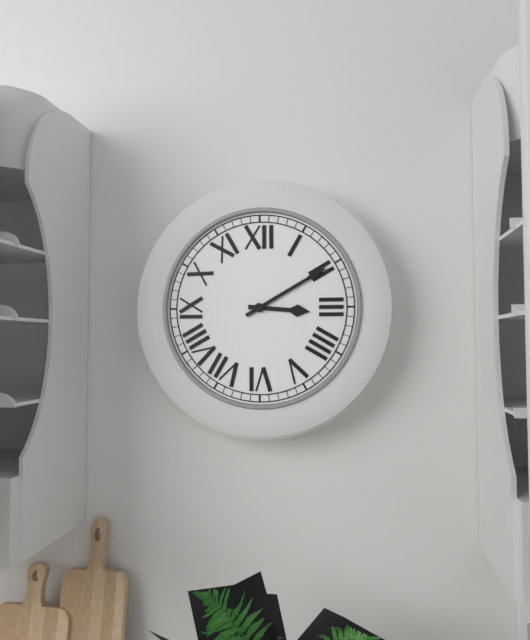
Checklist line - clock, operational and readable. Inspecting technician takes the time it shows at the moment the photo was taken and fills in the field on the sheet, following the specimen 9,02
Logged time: 3,10
